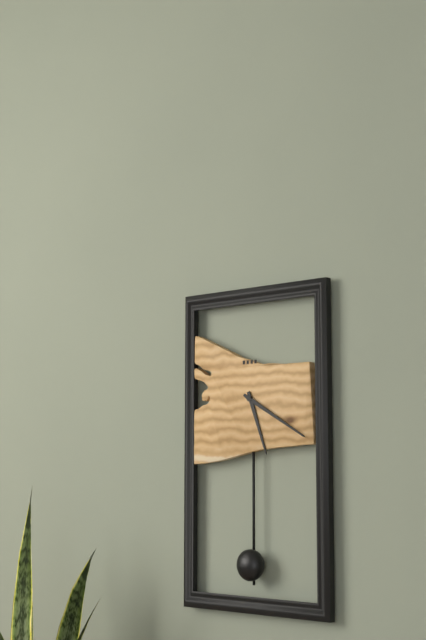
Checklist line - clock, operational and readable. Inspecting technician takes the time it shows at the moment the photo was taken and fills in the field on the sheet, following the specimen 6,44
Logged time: 5,20
